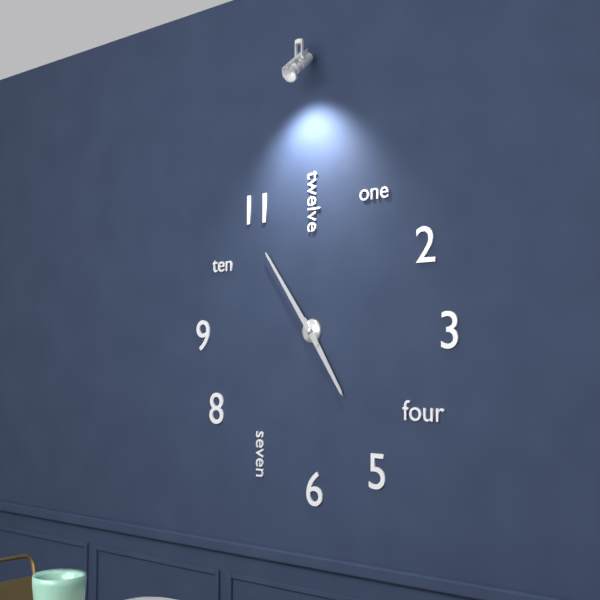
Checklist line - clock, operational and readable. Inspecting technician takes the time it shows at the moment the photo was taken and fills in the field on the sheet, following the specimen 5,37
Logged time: 4,54
